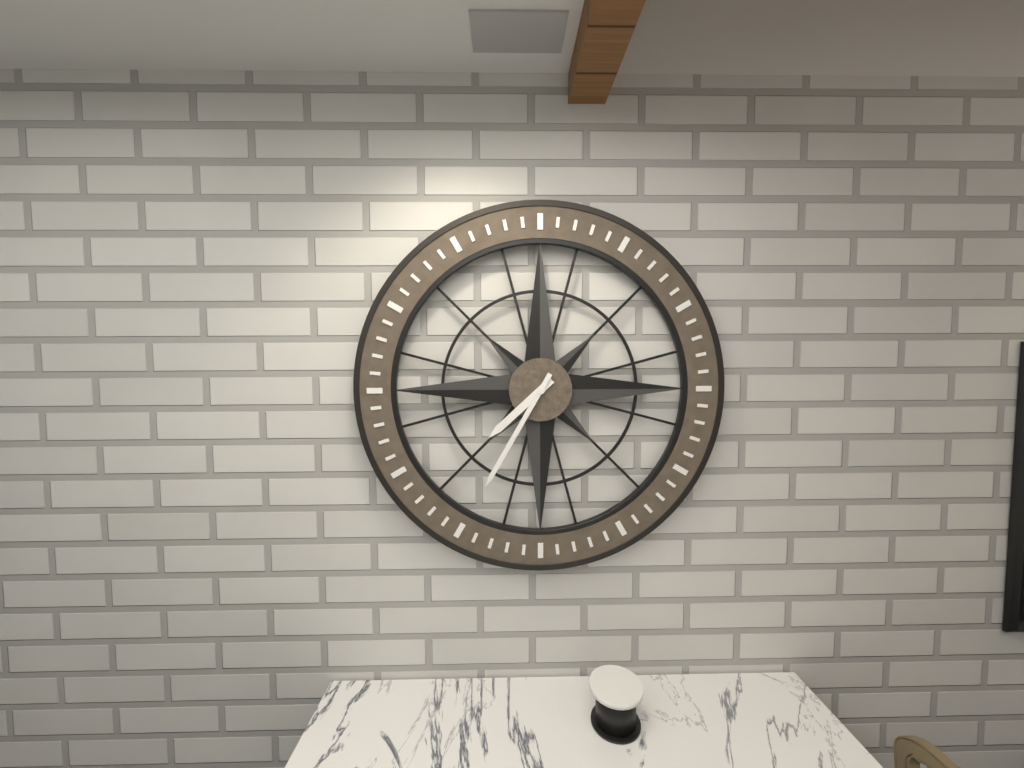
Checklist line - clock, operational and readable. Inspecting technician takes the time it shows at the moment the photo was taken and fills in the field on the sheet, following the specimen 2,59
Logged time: 7,35
